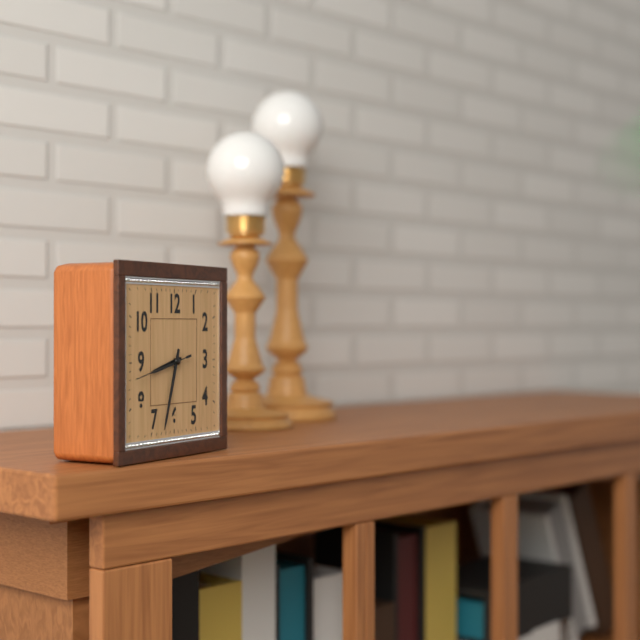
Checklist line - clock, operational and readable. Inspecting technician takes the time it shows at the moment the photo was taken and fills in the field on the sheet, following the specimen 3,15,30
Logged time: 8,33,43
